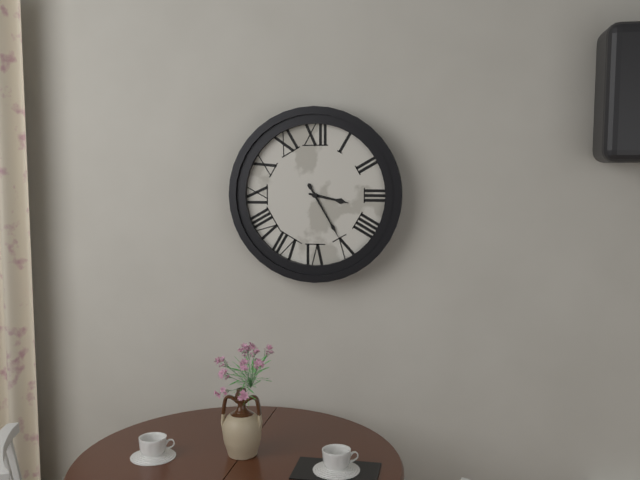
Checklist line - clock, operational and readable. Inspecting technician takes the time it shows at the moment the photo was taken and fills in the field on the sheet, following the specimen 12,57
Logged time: 3,25
